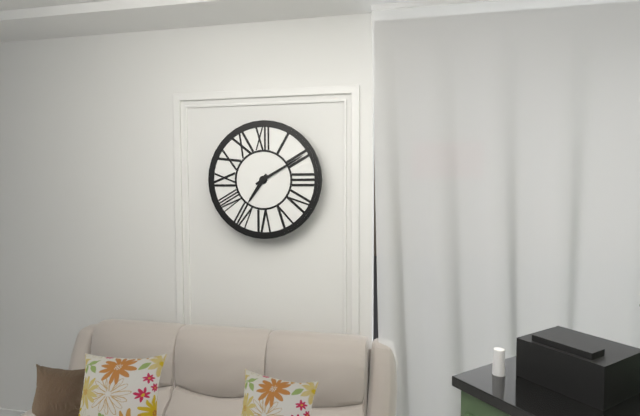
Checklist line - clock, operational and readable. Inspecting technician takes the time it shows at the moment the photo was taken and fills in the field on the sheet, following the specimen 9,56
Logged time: 7,10
